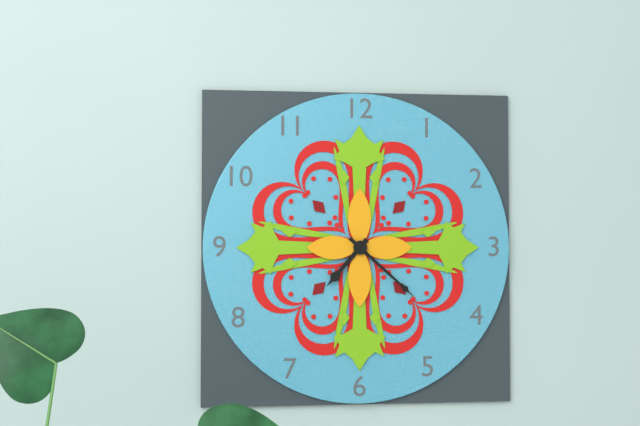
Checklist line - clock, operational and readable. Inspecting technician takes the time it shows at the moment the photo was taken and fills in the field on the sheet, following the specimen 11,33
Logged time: 7,22
